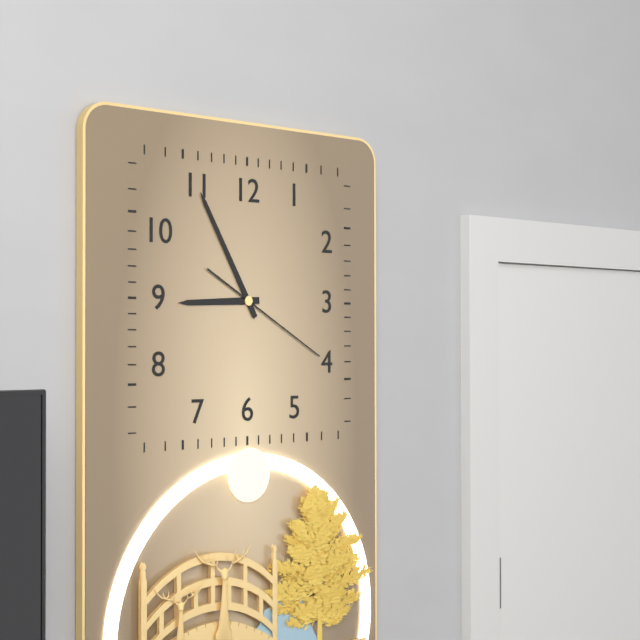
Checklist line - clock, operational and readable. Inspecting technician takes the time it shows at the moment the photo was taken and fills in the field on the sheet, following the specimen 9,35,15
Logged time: 8,55,20
